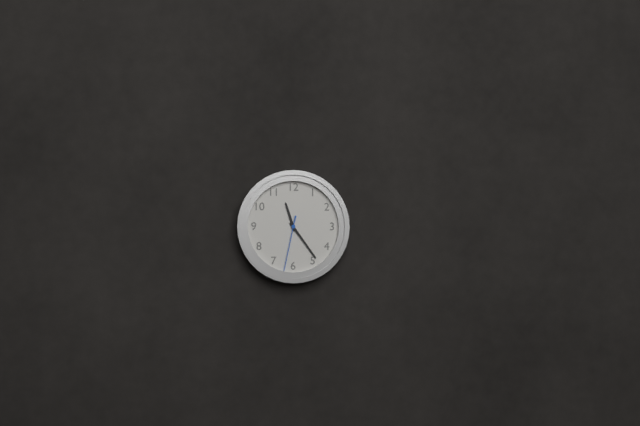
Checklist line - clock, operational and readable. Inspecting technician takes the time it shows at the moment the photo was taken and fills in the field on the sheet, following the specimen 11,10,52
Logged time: 11,24,32
